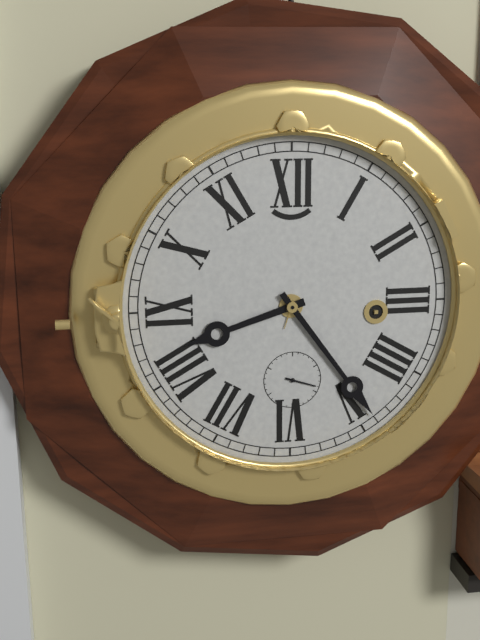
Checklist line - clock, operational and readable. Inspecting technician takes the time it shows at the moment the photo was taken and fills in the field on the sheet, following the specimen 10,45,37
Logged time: 8,24,18
